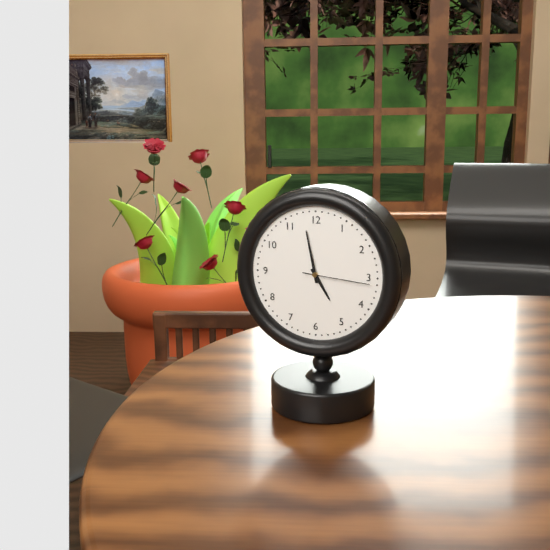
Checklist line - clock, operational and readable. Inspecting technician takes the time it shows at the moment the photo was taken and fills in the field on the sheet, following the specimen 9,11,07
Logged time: 4,58,16
